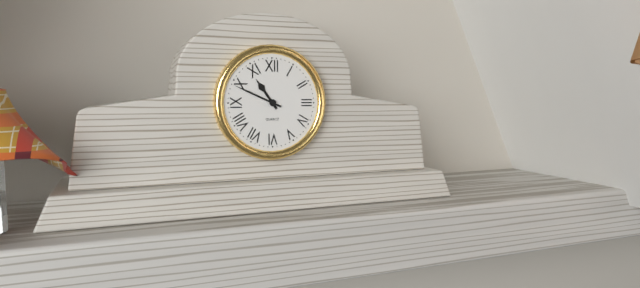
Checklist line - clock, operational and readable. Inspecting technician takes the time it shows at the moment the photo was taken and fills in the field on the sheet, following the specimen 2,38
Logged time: 10,49
